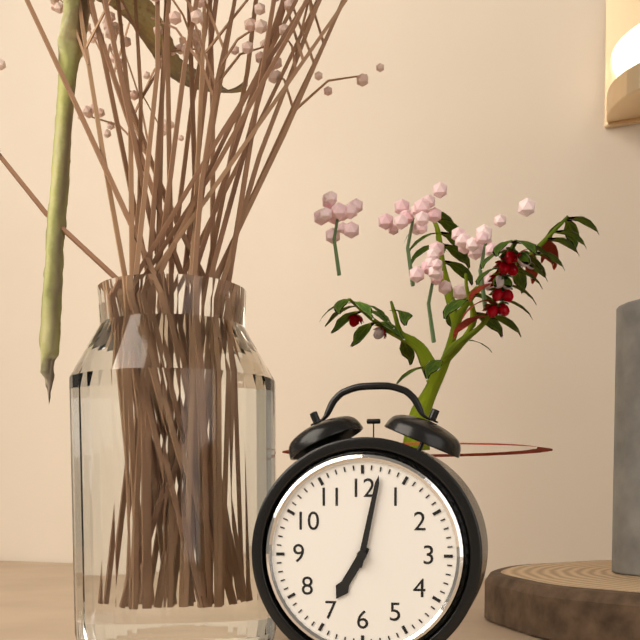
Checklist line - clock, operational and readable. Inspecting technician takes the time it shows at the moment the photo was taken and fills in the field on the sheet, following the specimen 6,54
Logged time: 7,02
